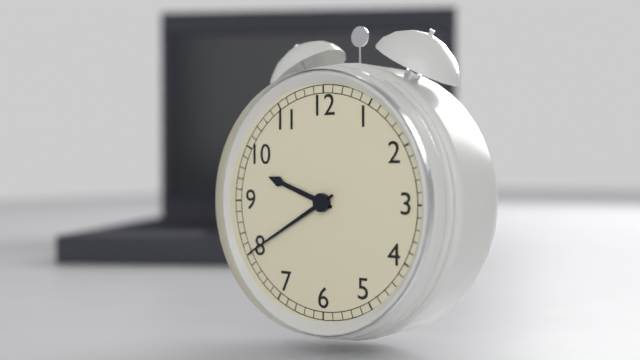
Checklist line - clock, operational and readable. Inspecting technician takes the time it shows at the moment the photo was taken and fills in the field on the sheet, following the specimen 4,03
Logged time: 9,40
